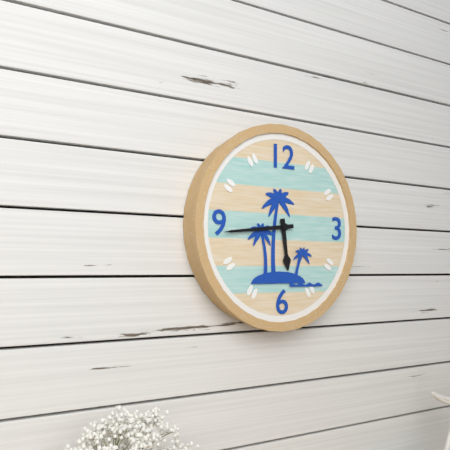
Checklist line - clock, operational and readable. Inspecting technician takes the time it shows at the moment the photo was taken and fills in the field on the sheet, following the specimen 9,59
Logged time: 5,44
